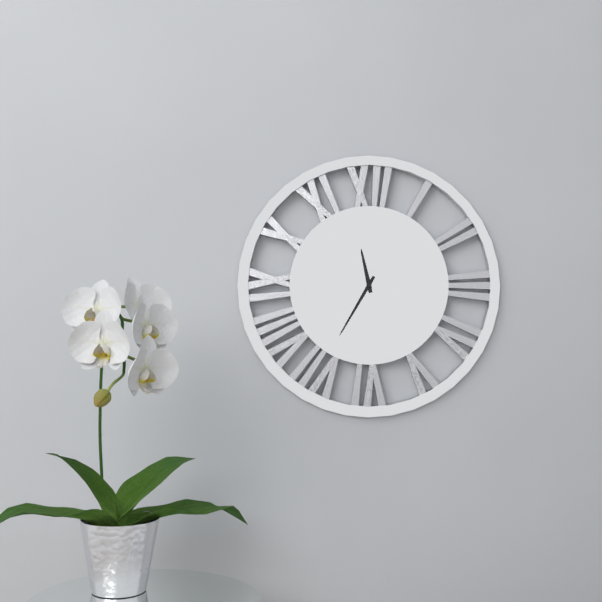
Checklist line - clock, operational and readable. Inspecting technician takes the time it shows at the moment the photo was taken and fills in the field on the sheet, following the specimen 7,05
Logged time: 11,35
